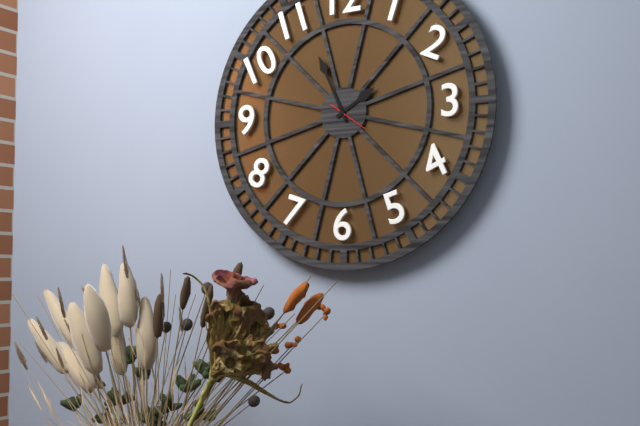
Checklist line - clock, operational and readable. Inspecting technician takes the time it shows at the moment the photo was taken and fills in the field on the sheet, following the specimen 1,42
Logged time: 1,56
